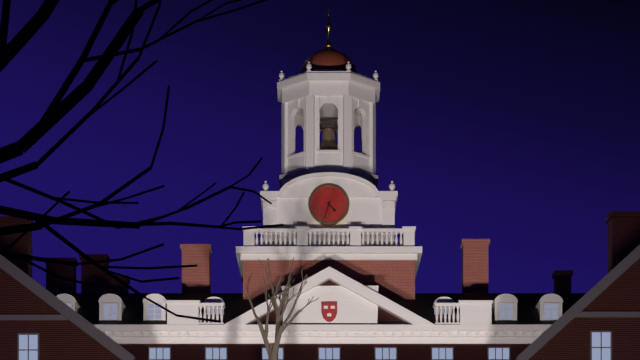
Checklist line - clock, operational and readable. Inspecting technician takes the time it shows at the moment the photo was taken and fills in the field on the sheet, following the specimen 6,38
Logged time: 4,33
